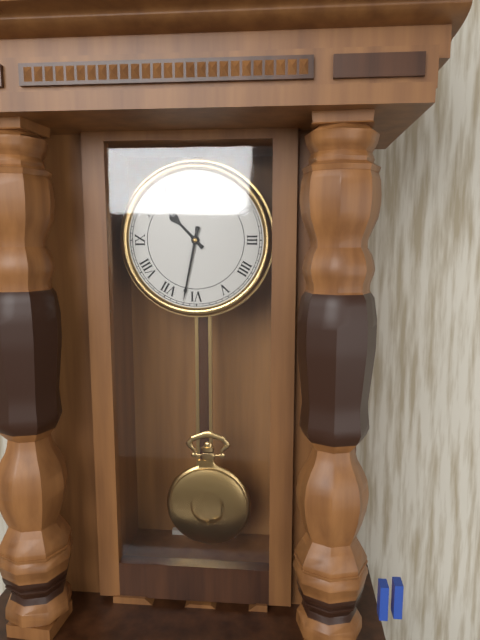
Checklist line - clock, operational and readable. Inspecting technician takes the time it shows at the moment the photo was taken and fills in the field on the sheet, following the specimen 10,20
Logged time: 10,32
